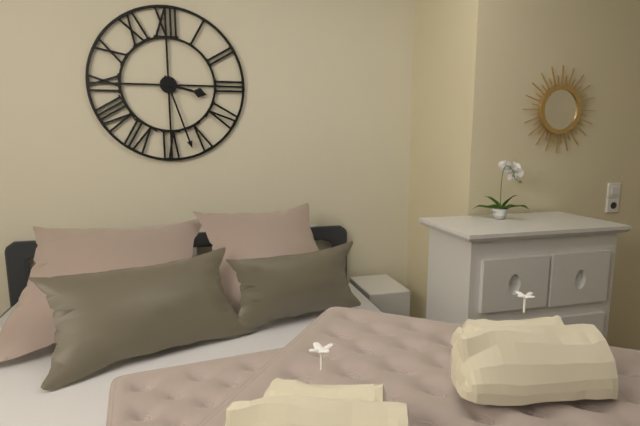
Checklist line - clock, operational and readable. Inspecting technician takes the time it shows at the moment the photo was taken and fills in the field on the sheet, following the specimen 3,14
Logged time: 3,27
